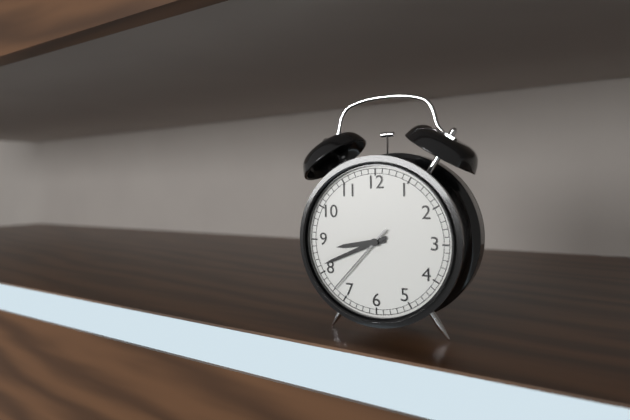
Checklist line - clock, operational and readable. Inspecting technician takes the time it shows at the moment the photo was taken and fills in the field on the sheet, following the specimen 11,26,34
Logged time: 8,41,37
